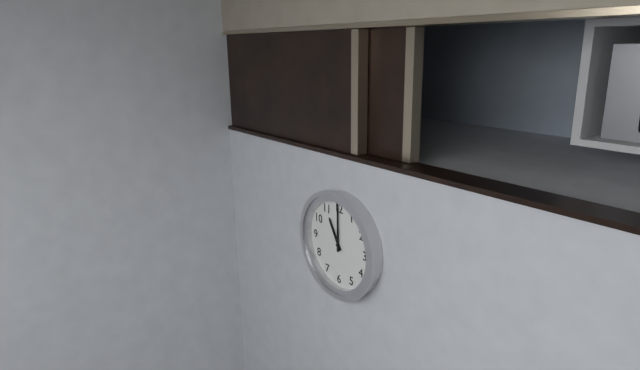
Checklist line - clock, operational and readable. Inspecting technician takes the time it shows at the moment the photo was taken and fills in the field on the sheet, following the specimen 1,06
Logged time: 11,00
